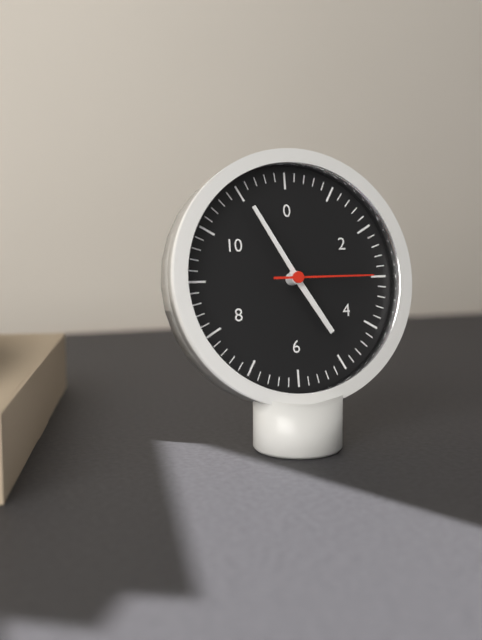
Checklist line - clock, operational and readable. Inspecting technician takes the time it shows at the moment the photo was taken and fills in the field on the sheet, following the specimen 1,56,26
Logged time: 4,55,15
